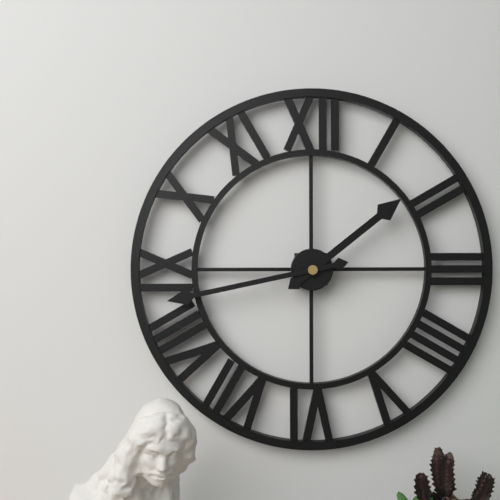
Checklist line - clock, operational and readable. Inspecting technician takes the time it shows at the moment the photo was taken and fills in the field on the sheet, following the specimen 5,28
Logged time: 1,43
